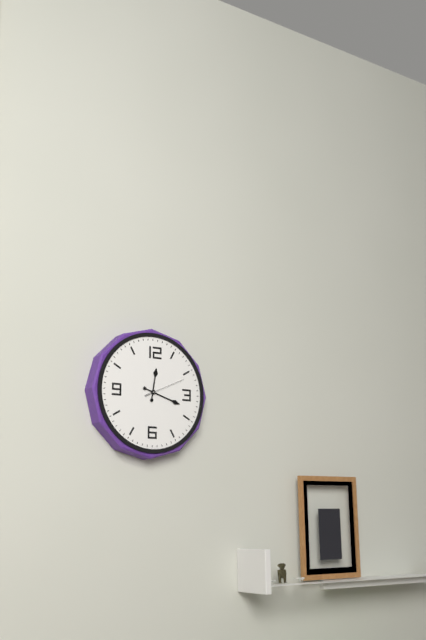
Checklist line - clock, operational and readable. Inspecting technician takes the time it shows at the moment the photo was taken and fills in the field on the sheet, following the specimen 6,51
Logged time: 12,18
